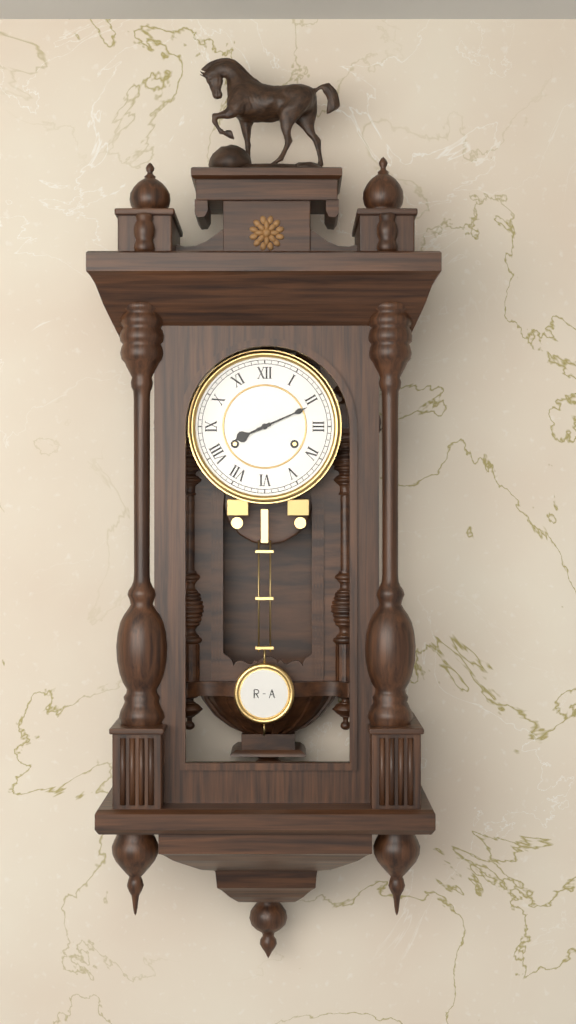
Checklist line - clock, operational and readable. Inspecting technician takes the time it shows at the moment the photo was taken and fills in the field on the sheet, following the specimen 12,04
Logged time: 8,11
